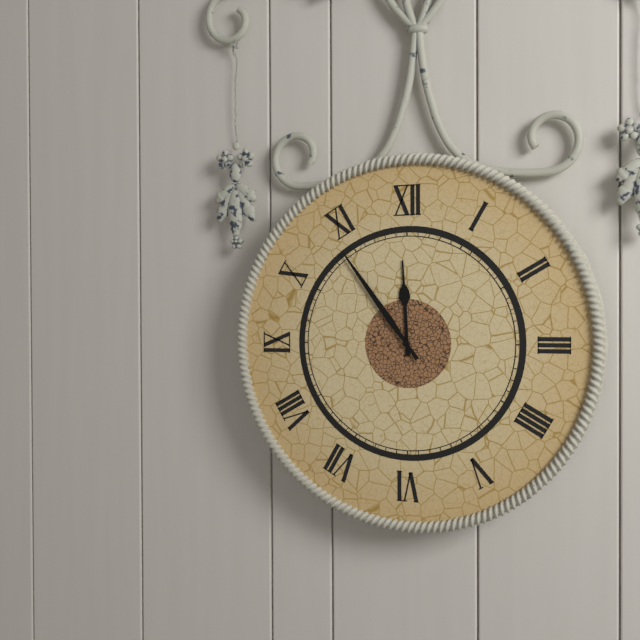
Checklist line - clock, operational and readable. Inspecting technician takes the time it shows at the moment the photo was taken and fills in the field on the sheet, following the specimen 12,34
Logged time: 11,54
